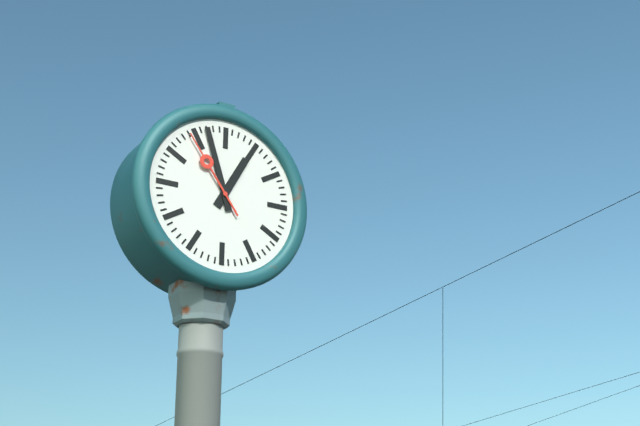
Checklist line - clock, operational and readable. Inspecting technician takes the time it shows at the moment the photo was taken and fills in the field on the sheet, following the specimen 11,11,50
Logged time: 12,57,54
